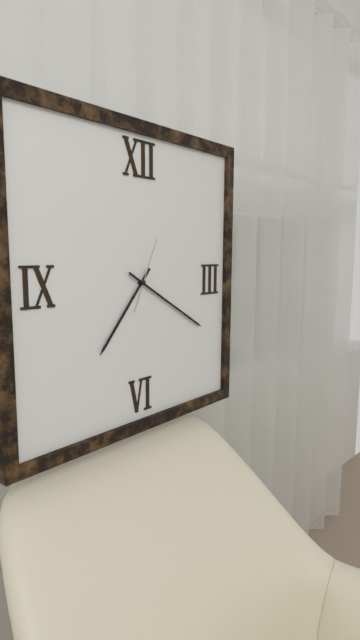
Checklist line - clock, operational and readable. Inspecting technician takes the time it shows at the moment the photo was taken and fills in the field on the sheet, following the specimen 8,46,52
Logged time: 7,20,04
